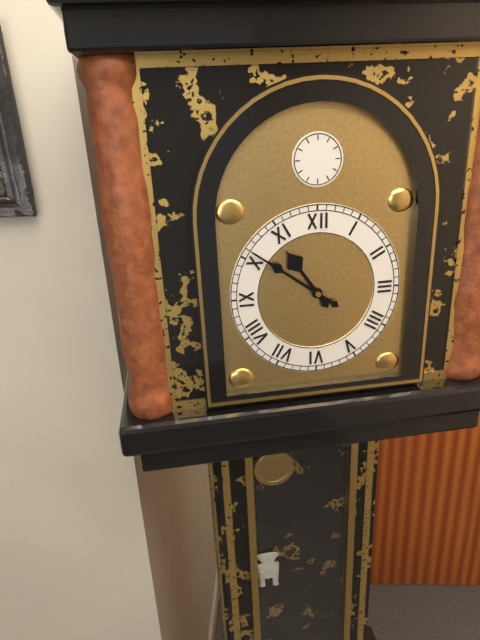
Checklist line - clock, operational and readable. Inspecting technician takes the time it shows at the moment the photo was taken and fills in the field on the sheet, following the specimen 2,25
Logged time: 10,51
